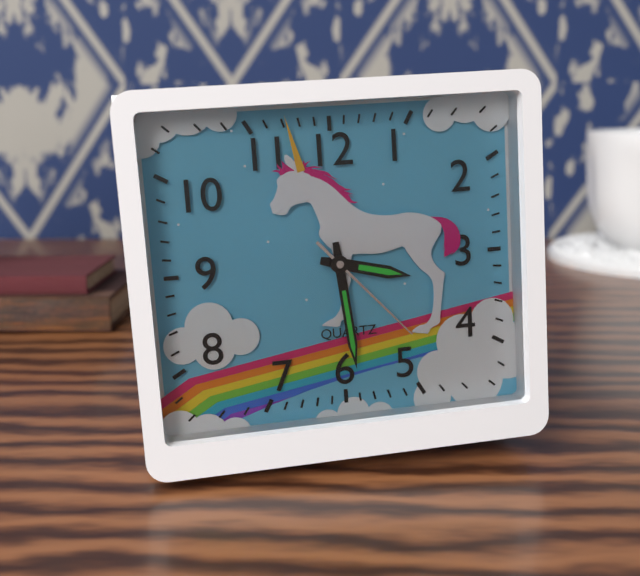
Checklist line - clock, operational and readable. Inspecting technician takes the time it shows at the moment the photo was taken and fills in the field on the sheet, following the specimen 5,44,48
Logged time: 3,29,23
